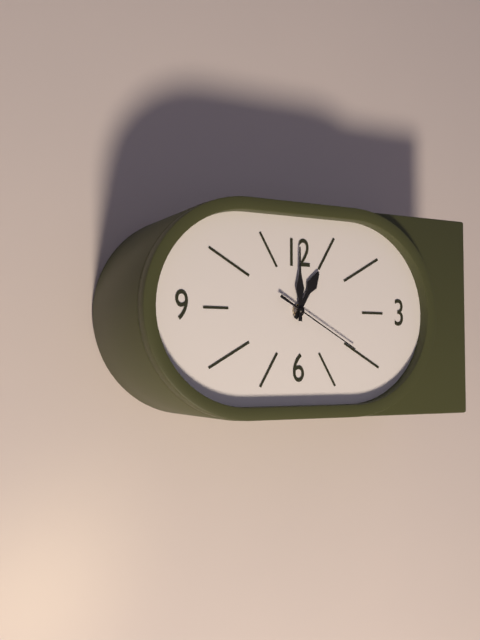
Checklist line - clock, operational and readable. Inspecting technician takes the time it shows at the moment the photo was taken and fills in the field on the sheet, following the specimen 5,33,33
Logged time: 1,00,20
